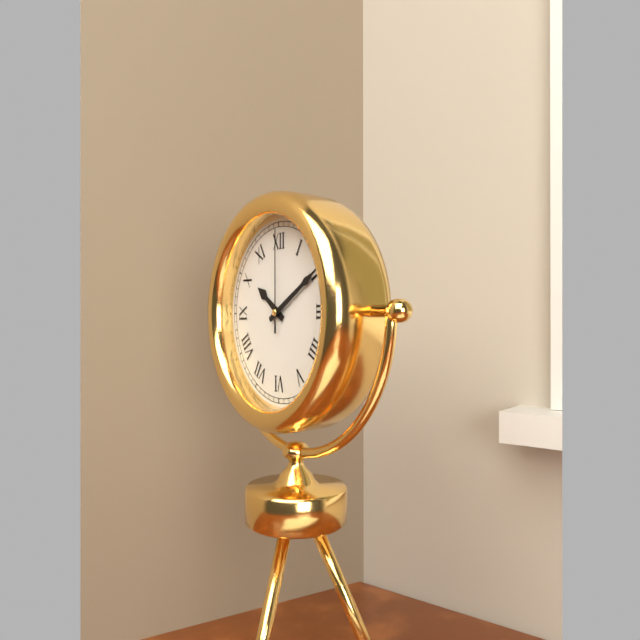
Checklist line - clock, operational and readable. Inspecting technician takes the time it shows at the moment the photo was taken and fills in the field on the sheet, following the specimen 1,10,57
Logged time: 10,10,00
